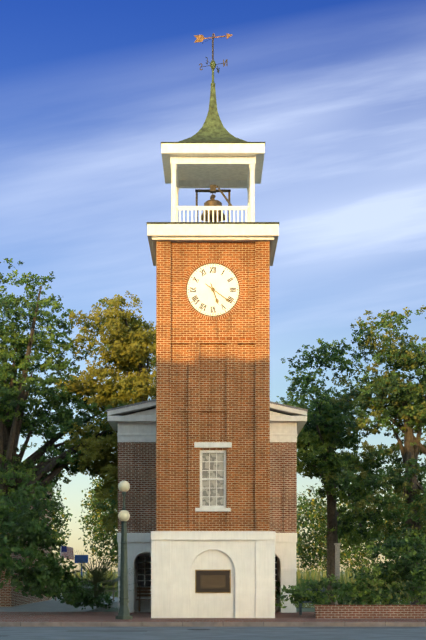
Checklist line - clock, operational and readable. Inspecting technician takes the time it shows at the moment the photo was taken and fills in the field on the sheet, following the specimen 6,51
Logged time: 5,21
